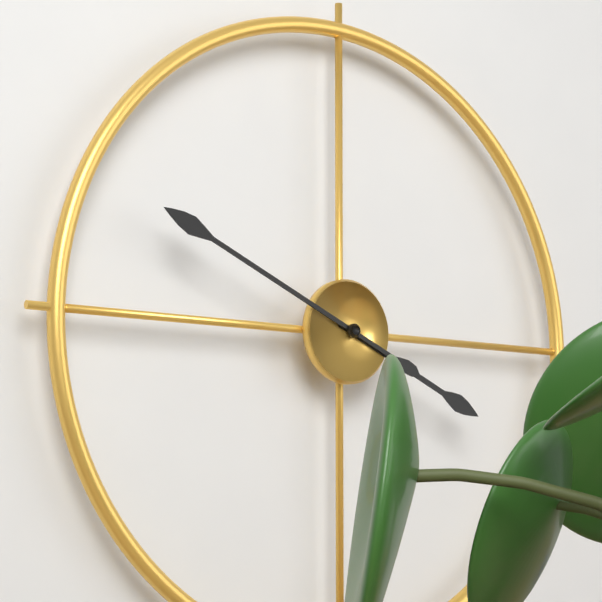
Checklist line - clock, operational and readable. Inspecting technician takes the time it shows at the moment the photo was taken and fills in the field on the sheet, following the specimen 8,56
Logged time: 3,49
